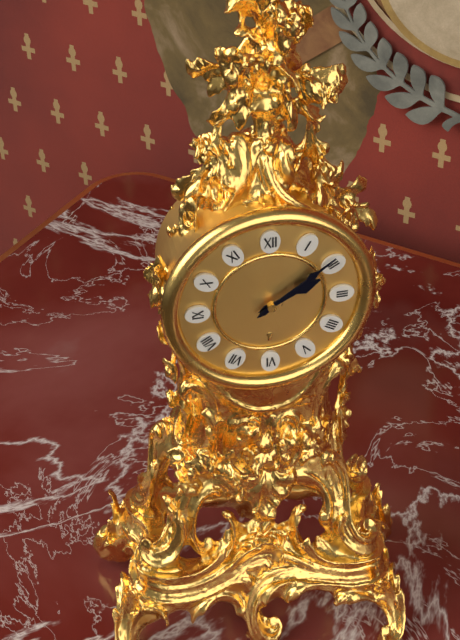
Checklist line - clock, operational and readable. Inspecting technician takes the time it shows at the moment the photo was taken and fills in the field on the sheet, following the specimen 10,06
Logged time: 2,09
